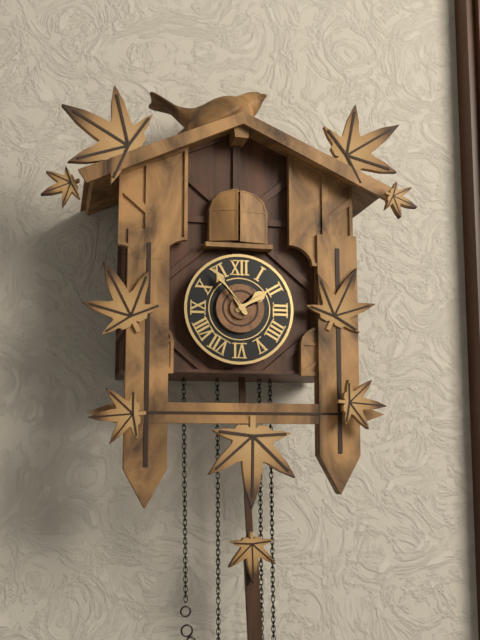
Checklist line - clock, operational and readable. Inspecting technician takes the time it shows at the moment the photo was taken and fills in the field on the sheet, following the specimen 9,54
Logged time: 1,54
